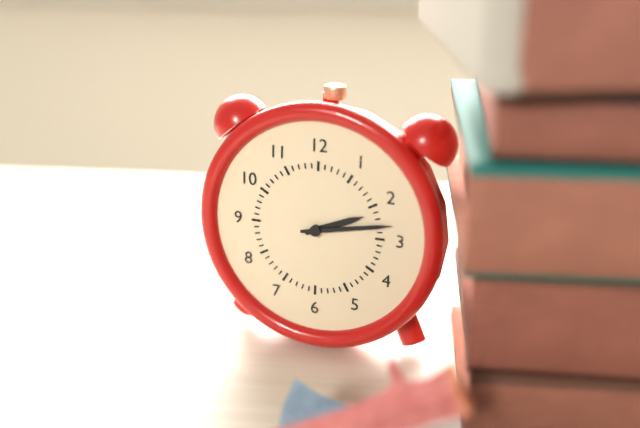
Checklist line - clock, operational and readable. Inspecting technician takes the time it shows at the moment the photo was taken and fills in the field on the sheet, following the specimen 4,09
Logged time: 2,13
